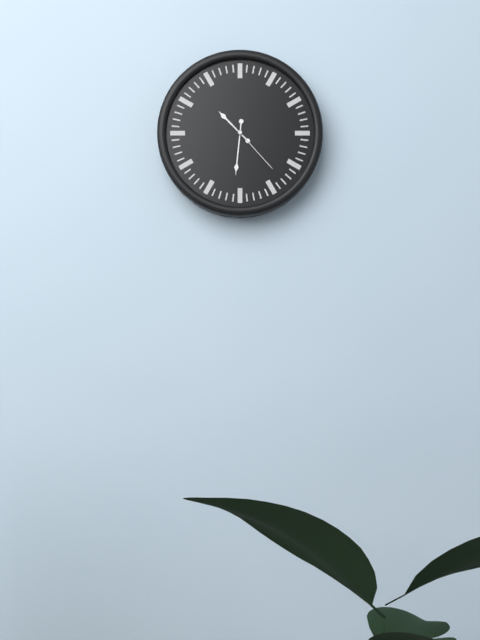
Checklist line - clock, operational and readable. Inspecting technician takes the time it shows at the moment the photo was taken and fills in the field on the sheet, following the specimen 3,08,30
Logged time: 10,31,23
